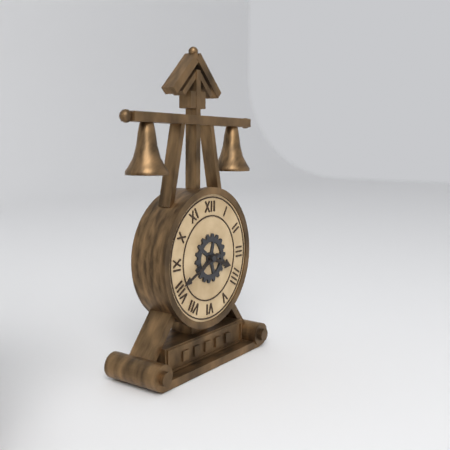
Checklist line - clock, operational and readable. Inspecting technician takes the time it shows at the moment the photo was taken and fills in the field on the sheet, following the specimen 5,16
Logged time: 3,41
